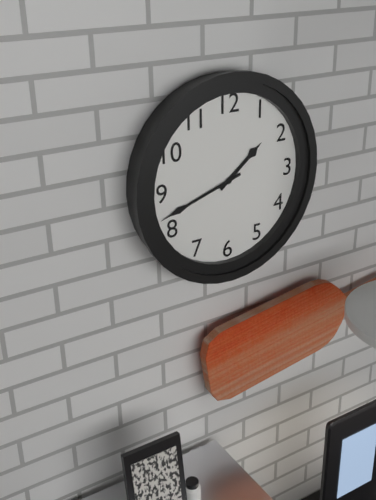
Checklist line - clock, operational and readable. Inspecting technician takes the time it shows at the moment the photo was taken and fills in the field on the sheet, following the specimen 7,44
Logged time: 1,42
